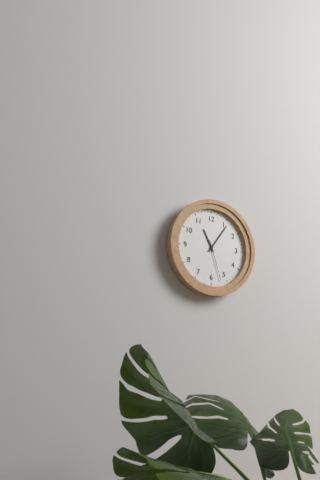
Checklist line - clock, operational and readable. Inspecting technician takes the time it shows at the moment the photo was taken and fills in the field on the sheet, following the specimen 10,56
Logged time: 11,06
